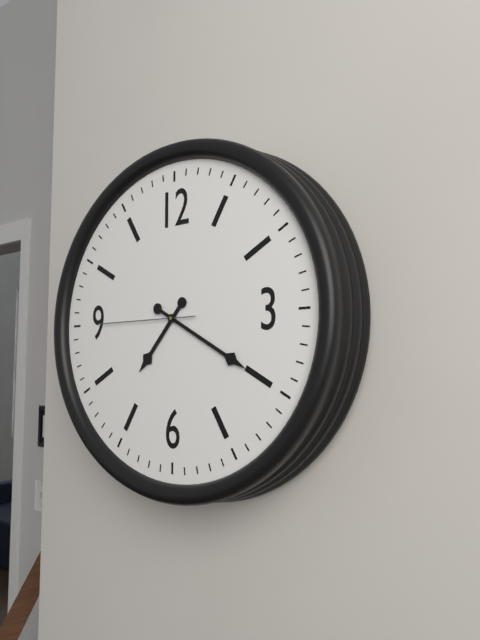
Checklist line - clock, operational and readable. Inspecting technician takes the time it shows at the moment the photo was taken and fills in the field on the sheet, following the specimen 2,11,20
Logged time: 7,20,45
